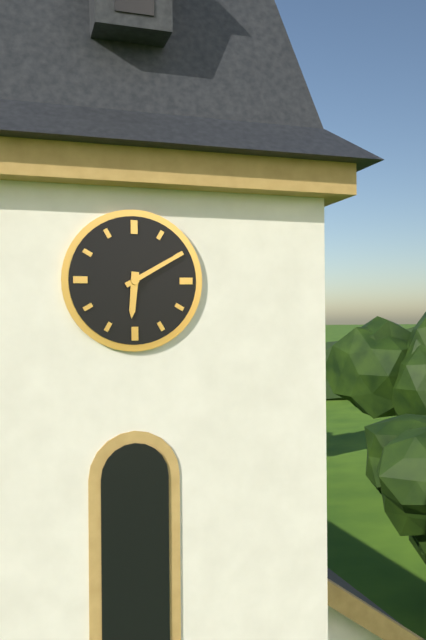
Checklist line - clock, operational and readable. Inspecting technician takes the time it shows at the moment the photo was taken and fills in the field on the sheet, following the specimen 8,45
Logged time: 6,10
